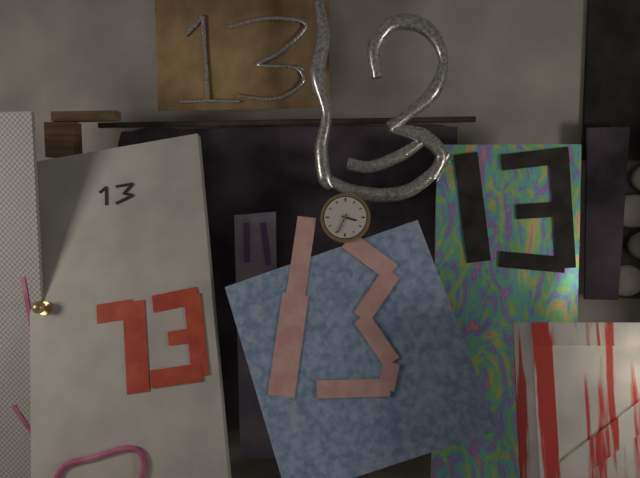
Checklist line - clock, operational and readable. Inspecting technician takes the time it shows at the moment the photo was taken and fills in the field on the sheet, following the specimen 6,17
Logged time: 3,34
